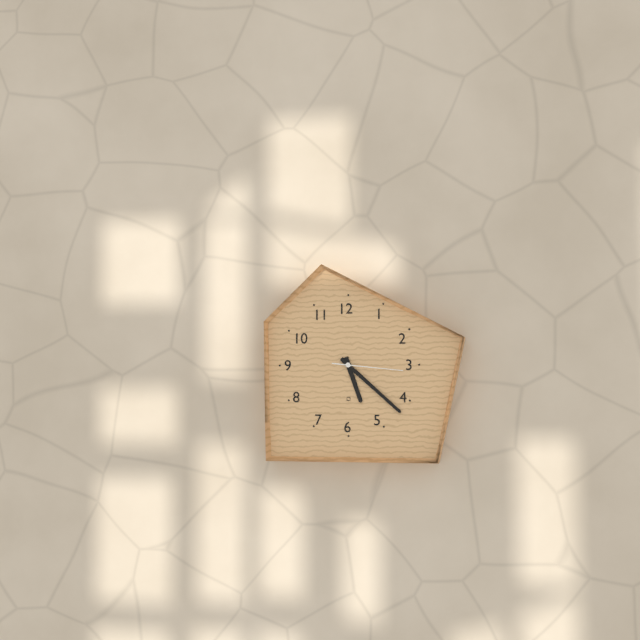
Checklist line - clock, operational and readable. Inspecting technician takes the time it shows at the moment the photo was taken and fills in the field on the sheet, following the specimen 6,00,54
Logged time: 5,22,16
